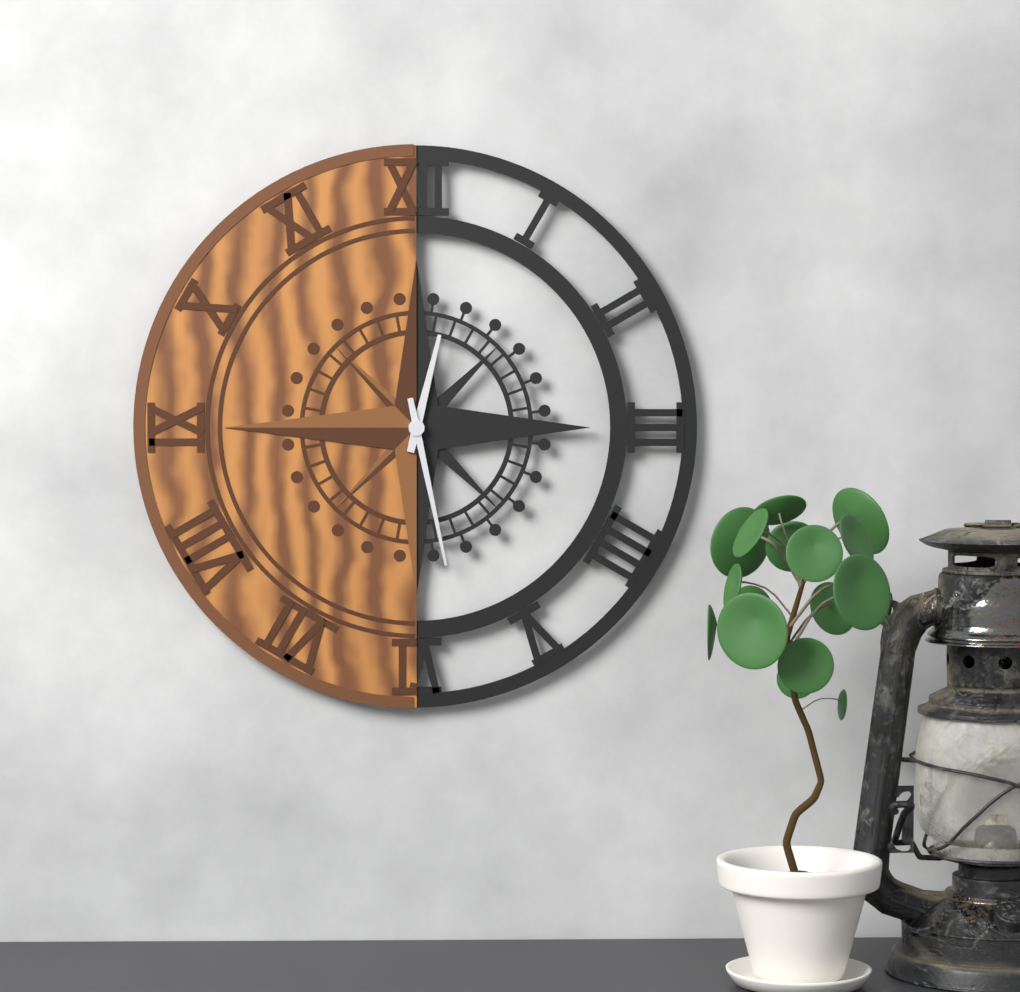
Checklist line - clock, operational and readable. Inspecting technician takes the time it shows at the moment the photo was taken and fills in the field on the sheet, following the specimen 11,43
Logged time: 12,28
